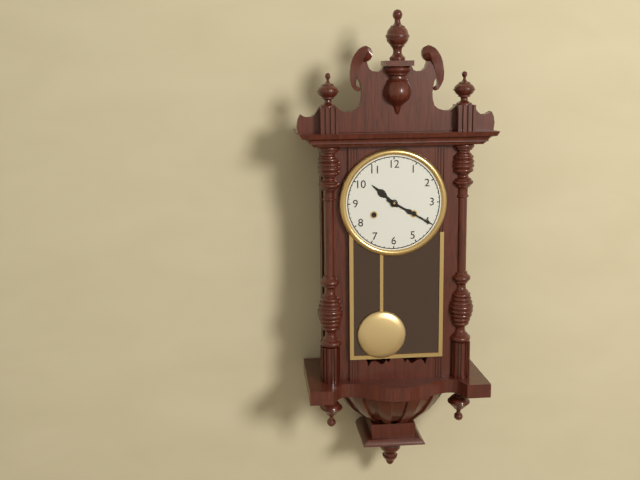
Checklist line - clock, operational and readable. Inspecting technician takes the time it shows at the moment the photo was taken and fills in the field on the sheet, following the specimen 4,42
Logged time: 10,20
